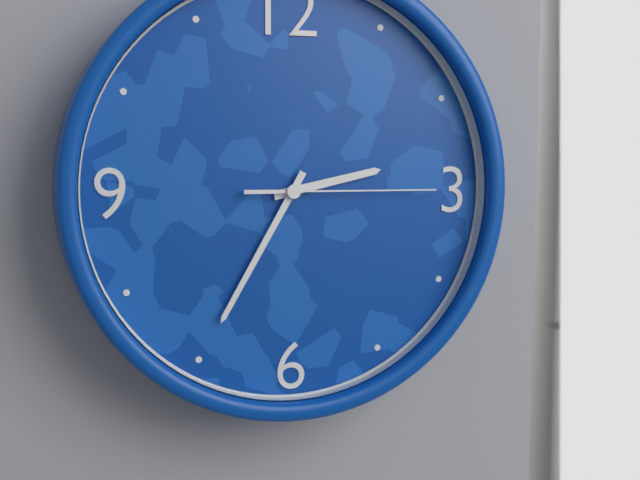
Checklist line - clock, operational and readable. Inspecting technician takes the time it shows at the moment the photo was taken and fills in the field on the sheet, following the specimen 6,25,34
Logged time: 2,35,15
